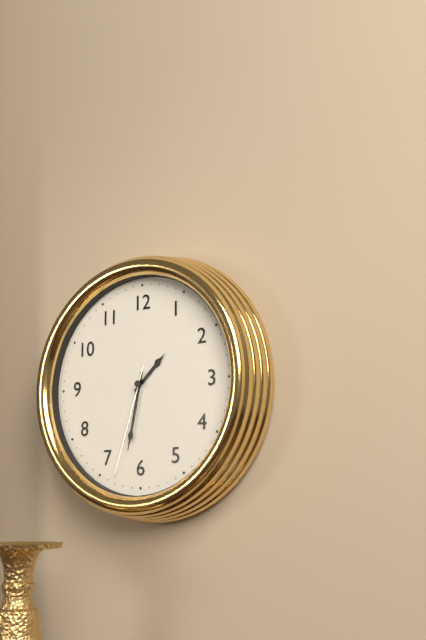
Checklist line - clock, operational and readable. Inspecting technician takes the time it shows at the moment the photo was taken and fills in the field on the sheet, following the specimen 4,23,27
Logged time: 1,32,33
